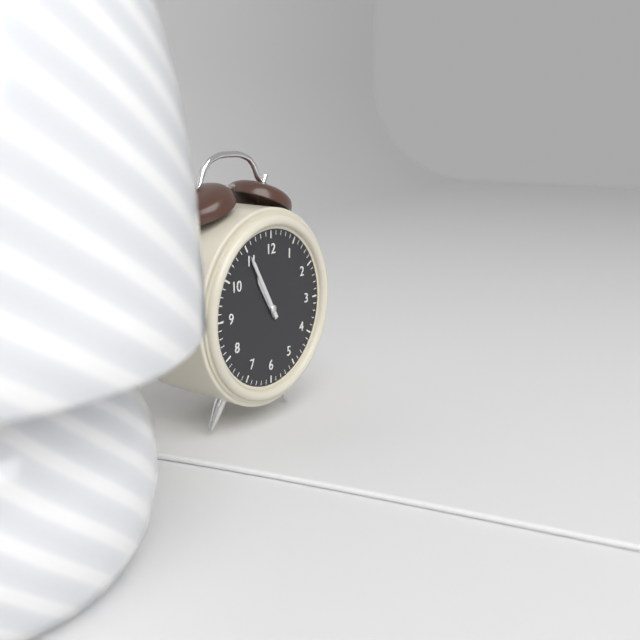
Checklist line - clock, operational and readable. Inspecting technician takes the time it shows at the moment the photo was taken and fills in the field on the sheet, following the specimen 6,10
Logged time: 10,55
